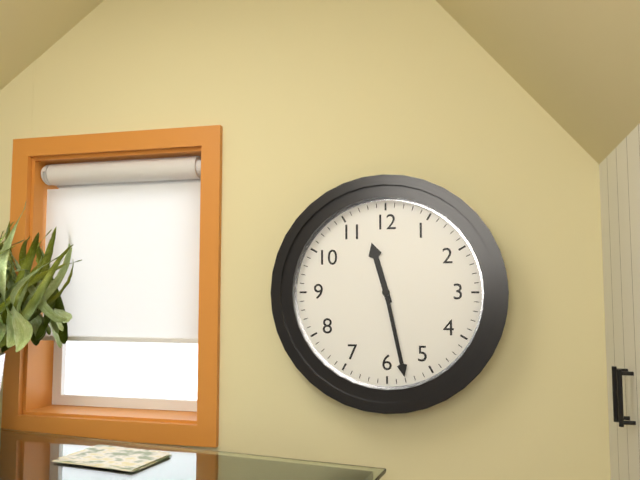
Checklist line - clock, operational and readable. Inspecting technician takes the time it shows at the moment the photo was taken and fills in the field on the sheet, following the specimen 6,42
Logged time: 11,28
